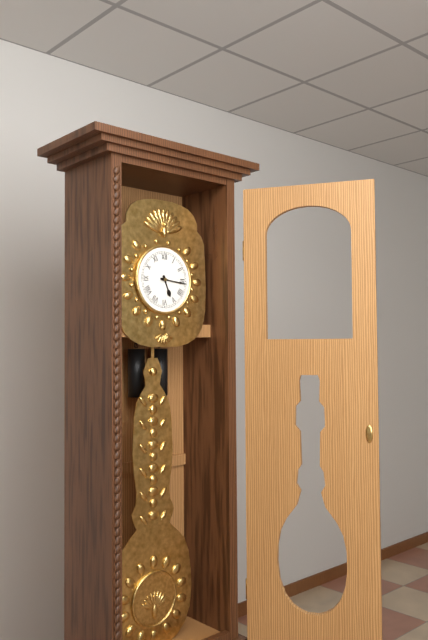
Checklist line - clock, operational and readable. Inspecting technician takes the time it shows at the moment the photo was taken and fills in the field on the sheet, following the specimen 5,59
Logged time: 5,16
